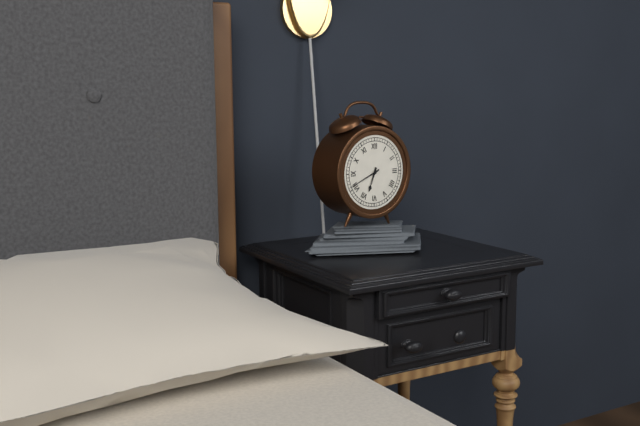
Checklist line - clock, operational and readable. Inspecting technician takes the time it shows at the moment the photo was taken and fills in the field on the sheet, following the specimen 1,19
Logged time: 6,41
